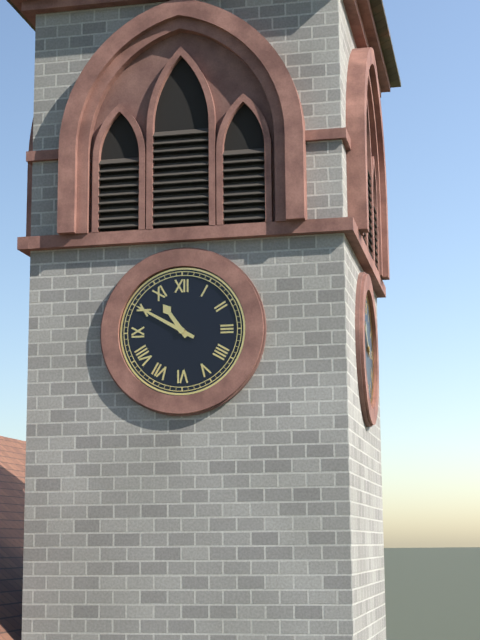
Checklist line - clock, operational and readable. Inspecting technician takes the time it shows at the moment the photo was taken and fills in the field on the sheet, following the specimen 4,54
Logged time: 10,50
